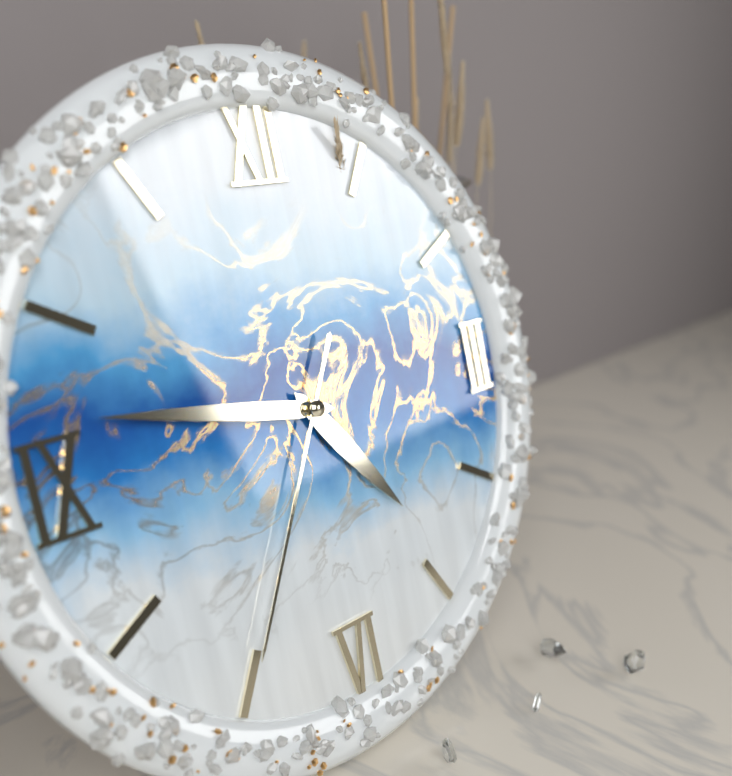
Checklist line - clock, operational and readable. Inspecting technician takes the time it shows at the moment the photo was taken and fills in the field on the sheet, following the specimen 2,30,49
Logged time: 4,47,35
